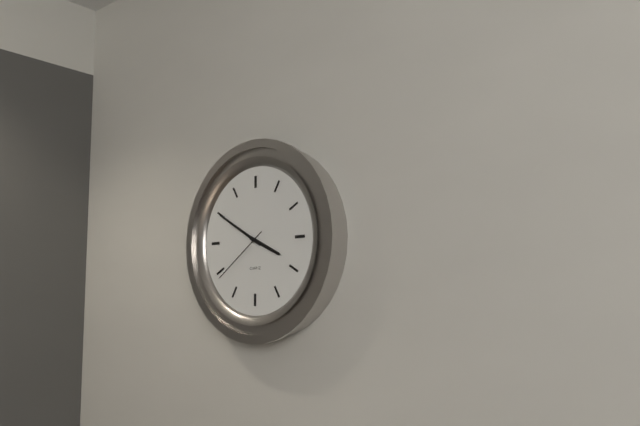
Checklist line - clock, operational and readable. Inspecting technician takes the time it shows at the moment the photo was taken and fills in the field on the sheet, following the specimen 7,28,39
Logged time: 3,50,39
